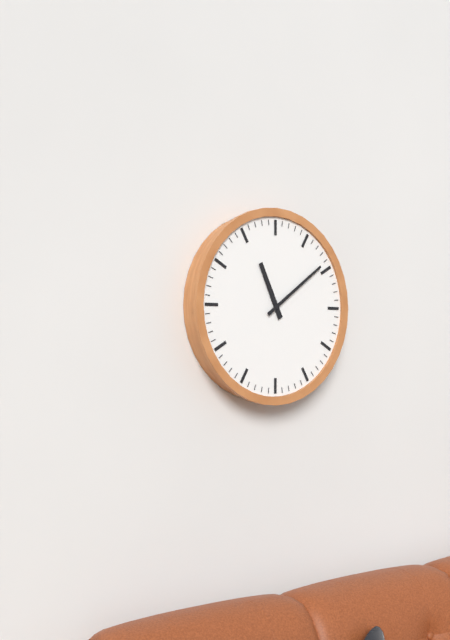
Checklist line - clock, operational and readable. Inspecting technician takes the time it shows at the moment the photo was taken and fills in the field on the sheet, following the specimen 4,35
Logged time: 11,09
